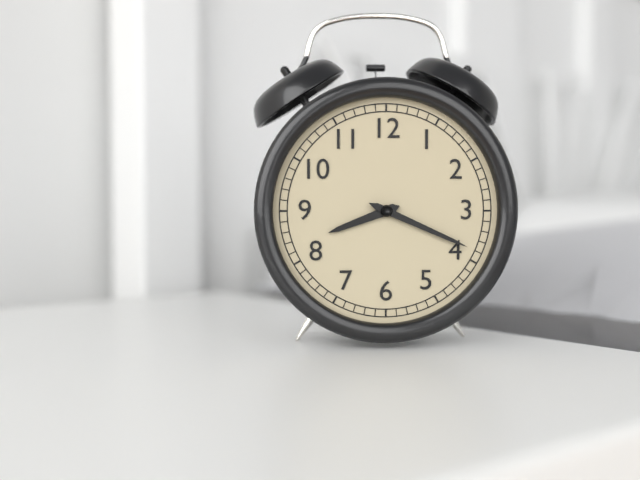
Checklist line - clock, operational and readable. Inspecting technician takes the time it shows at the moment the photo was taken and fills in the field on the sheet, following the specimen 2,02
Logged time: 8,19
